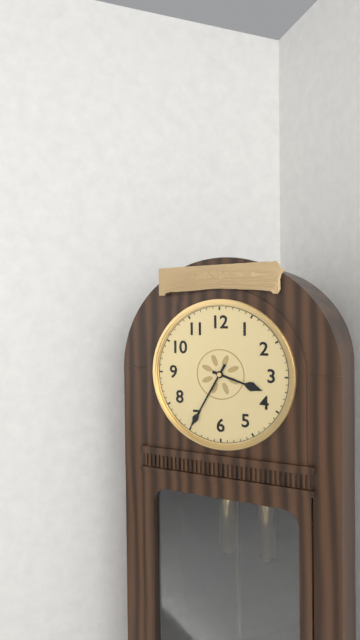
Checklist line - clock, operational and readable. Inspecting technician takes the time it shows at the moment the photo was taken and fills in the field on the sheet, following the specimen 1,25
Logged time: 3,35
